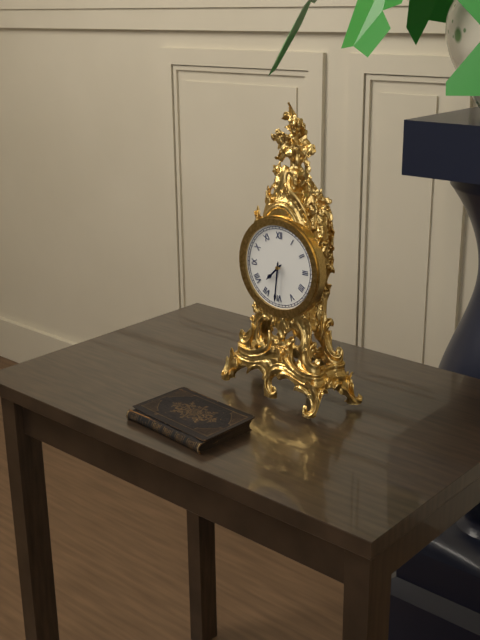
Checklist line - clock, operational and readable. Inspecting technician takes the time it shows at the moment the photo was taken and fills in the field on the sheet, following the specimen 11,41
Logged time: 7,31
